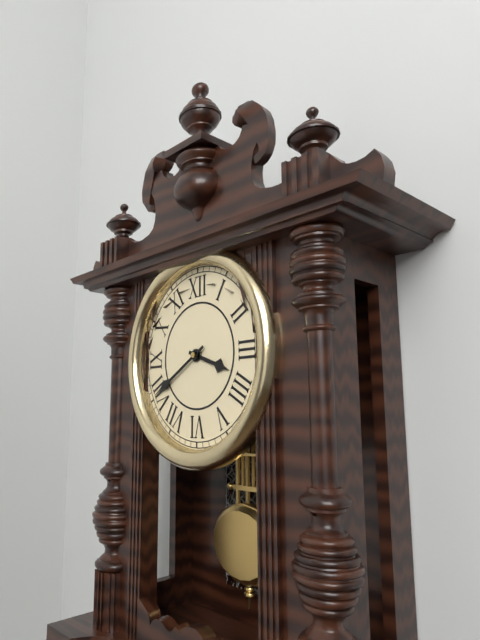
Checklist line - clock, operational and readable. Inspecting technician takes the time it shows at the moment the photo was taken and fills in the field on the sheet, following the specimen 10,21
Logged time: 3,40
